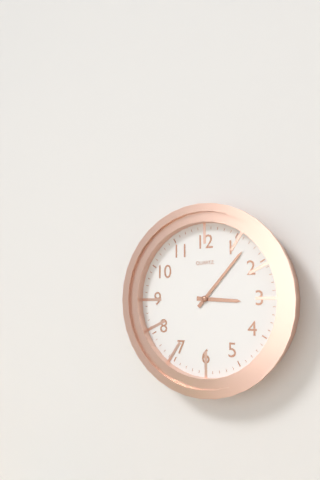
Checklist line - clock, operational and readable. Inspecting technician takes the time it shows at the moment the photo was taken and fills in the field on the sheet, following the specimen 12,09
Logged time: 3,07
